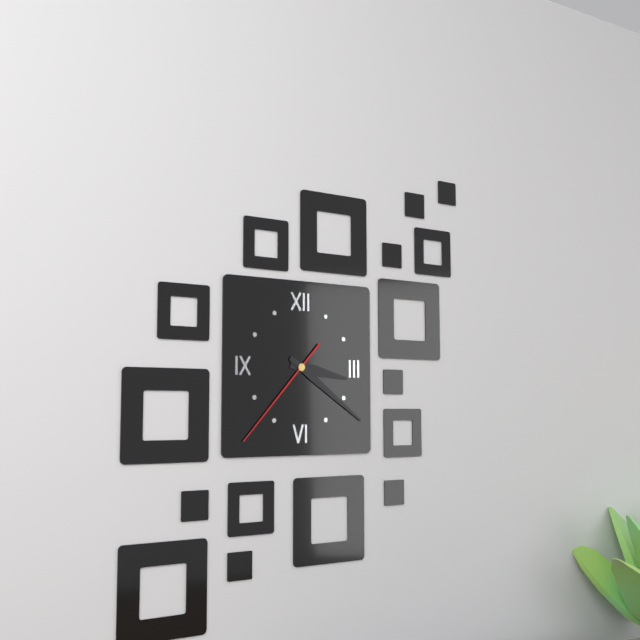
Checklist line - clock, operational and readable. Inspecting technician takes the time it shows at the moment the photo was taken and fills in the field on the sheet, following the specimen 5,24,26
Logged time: 3,21,37
